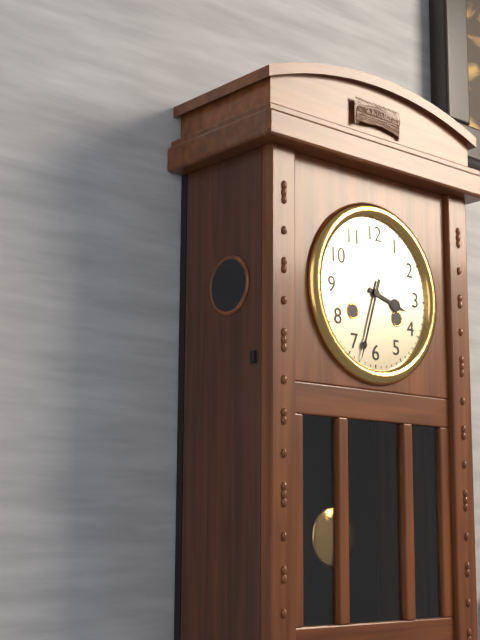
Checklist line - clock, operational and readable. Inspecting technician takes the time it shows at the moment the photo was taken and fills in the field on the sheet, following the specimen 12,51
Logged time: 3,33
